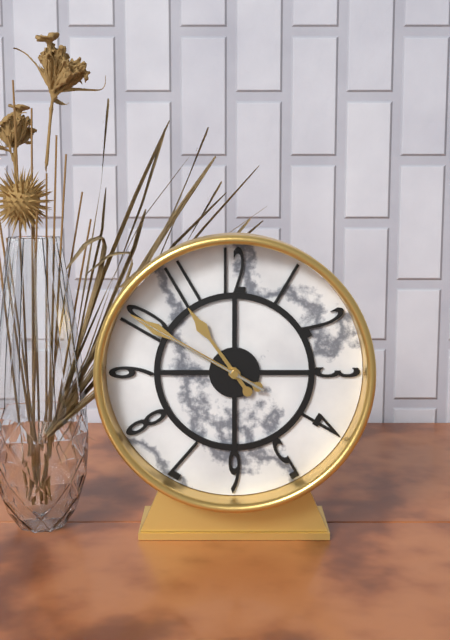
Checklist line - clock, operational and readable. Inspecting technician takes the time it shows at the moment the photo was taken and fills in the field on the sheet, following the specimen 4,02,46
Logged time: 10,50,50
